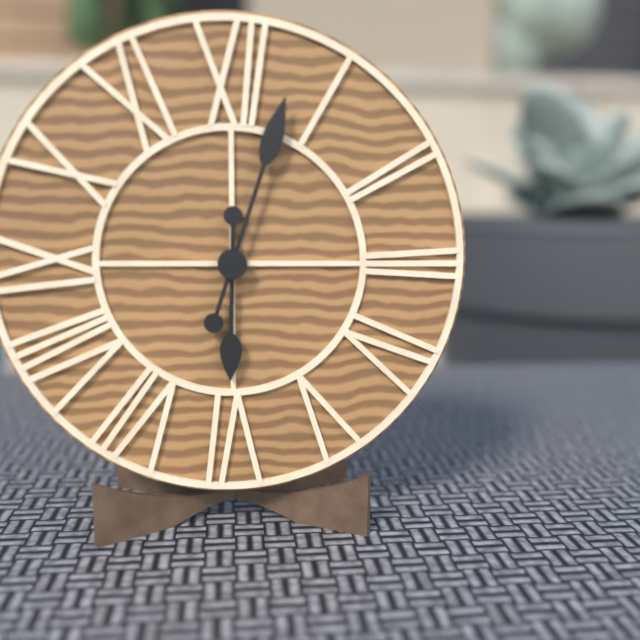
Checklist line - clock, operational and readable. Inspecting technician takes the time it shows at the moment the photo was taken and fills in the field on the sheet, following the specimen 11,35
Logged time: 6,03
